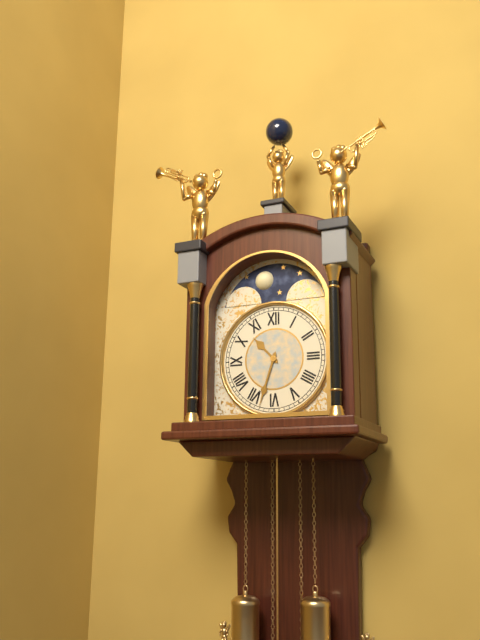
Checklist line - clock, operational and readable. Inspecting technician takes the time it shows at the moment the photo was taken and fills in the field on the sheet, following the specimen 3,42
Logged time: 10,33
